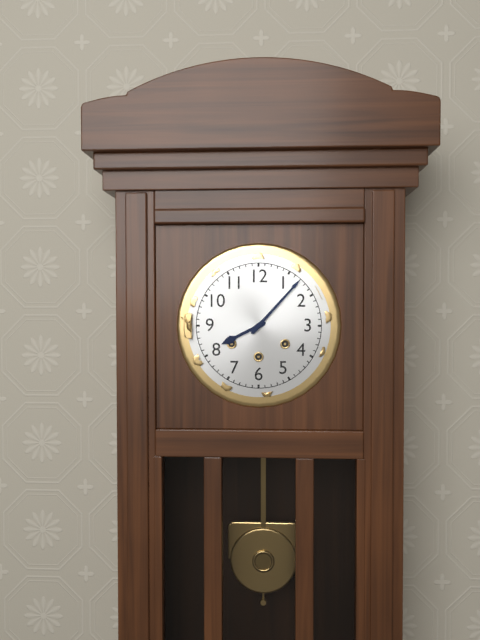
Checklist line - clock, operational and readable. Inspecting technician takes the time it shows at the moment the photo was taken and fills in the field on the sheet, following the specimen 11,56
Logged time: 8,07
